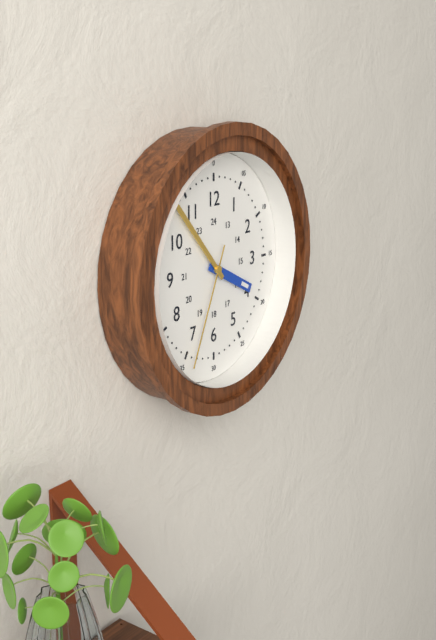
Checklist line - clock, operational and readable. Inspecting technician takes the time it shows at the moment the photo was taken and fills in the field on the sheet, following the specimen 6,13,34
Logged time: 3,53,34
